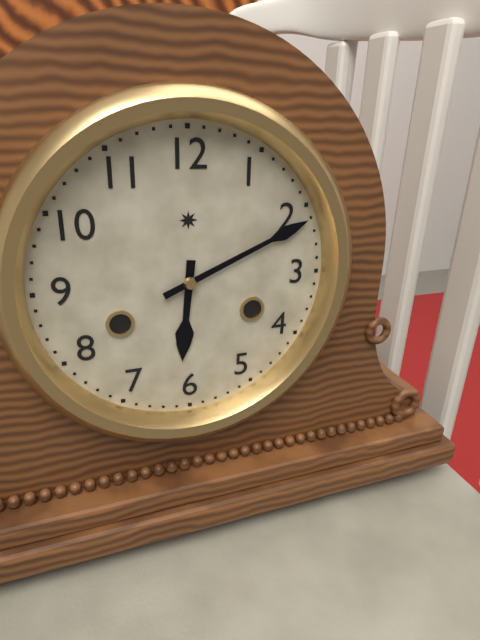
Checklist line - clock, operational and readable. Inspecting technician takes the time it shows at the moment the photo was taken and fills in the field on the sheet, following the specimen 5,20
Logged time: 6,11
